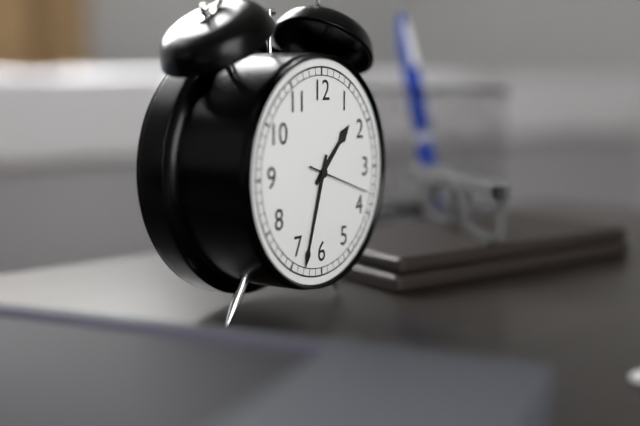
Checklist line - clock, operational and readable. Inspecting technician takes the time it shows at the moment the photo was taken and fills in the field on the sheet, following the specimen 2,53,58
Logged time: 1,33,18
